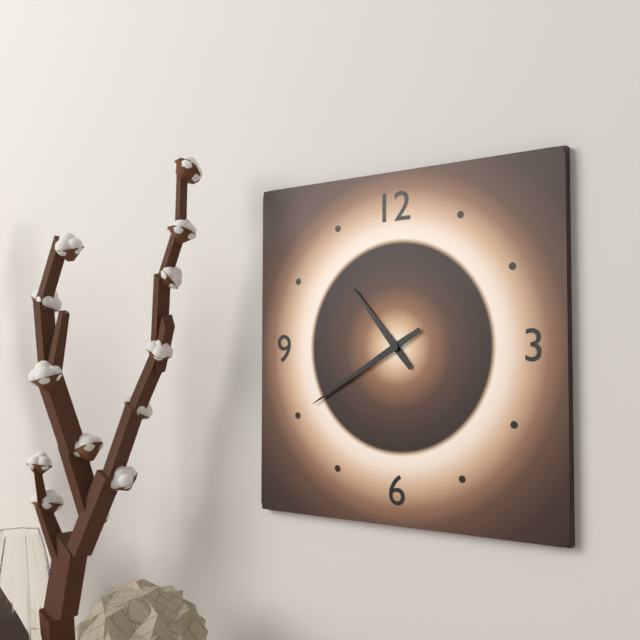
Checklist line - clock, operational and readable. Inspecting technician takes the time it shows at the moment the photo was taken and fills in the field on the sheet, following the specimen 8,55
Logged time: 10,40
